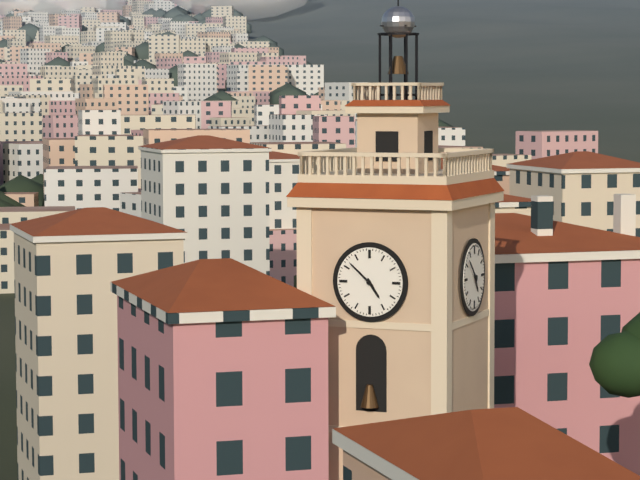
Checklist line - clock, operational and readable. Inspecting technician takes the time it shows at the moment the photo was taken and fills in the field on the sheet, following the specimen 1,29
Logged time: 4,52
